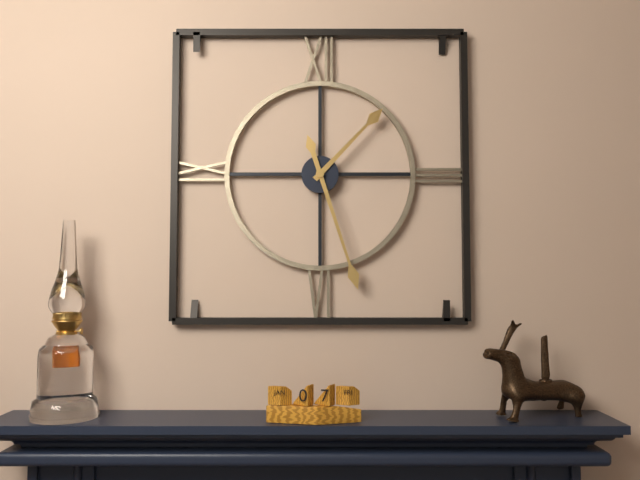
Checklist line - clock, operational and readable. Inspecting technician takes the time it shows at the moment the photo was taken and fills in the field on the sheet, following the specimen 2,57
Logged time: 1,27
